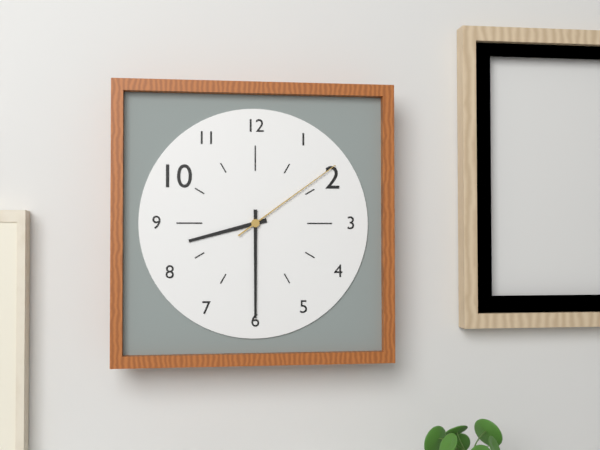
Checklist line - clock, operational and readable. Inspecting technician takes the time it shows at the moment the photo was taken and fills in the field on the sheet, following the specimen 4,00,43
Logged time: 8,30,09
